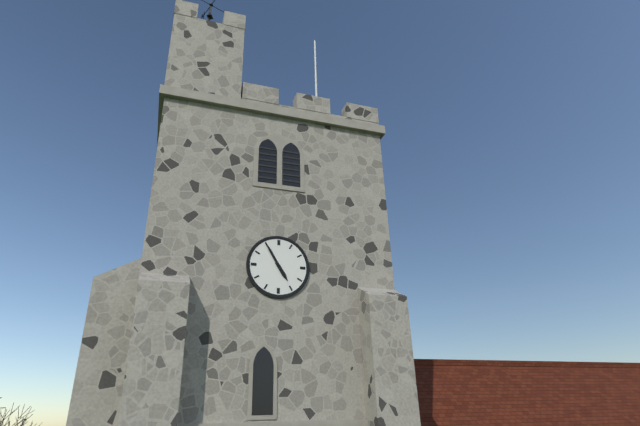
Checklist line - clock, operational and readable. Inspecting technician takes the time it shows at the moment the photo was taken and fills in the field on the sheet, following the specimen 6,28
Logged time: 4,55
